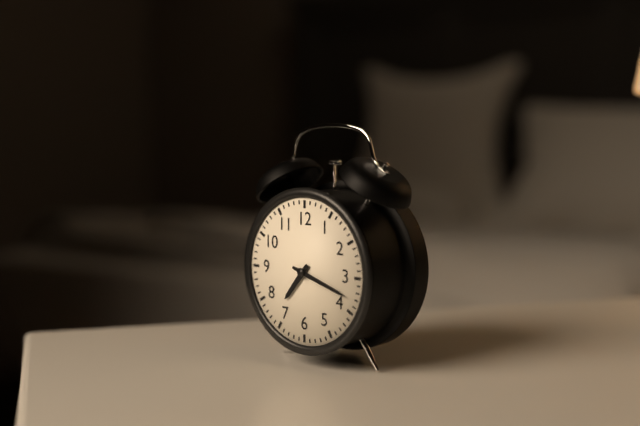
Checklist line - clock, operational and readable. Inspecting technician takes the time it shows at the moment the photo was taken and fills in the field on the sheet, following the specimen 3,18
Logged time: 7,18
